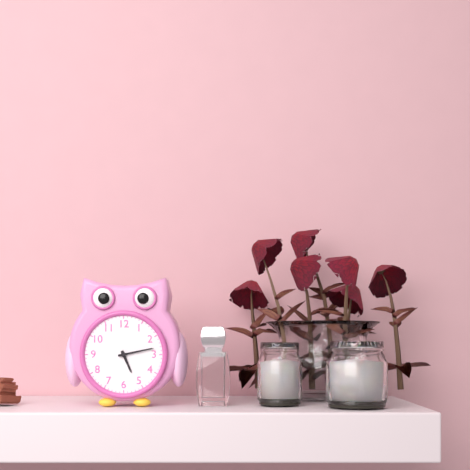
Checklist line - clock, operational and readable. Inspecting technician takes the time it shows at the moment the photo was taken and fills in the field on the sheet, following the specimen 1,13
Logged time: 5,13
